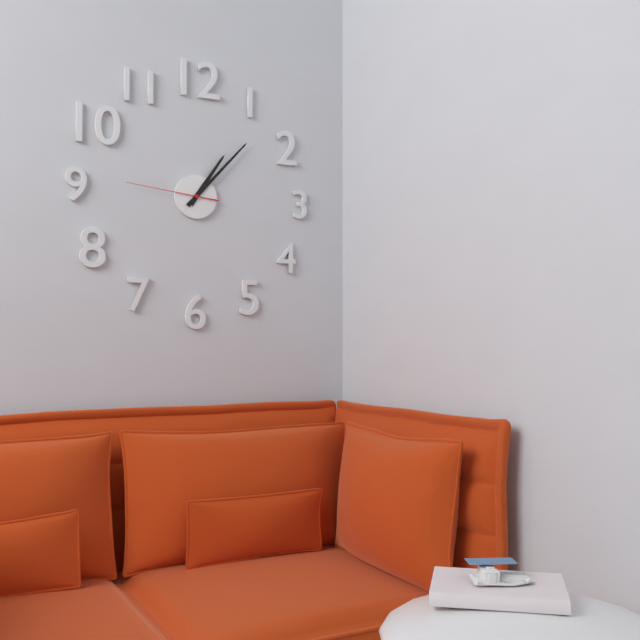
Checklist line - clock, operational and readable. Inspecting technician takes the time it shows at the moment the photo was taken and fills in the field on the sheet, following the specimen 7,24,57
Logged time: 1,07,46
